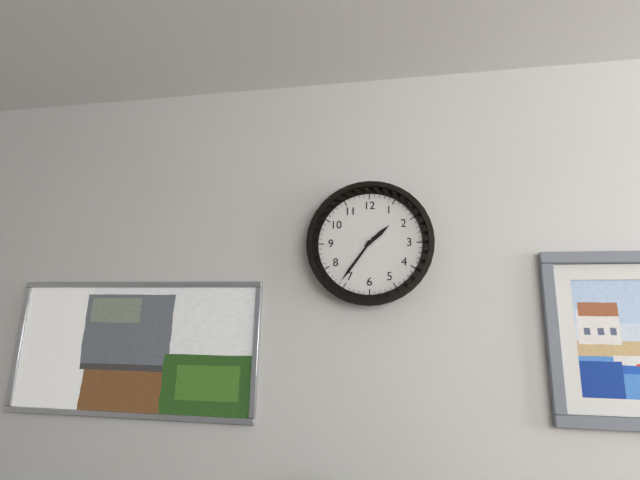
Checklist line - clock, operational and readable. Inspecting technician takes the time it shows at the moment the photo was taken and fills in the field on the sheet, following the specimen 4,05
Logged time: 1,36
